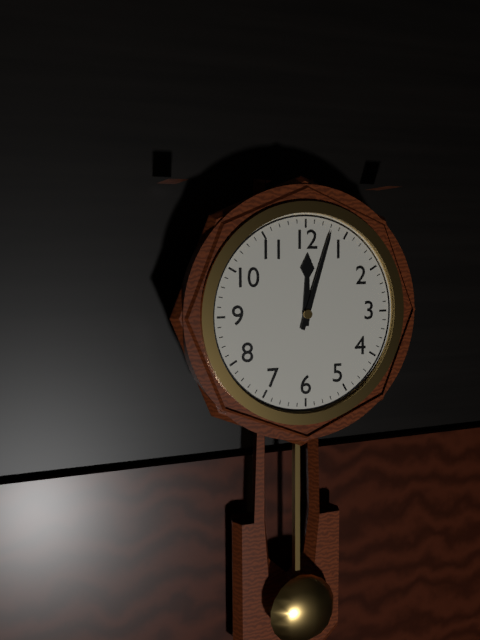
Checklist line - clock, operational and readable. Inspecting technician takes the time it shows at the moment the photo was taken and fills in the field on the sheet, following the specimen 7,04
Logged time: 12,03
